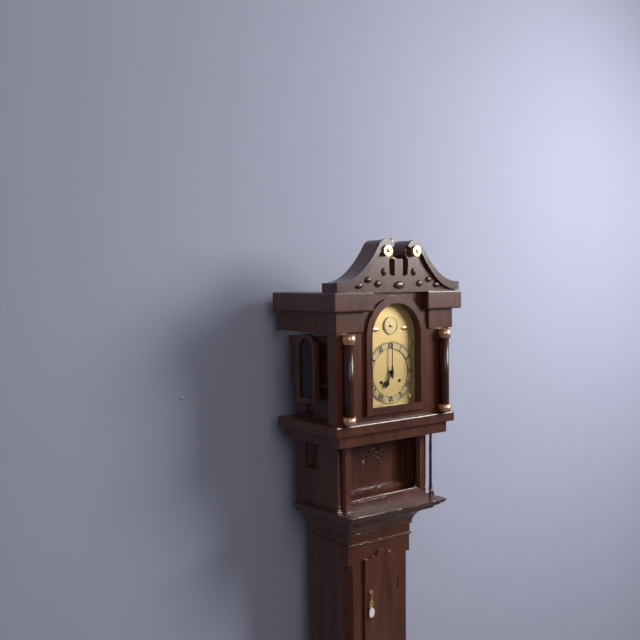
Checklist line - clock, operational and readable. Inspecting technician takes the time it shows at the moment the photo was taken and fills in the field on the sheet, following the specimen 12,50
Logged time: 7,00
